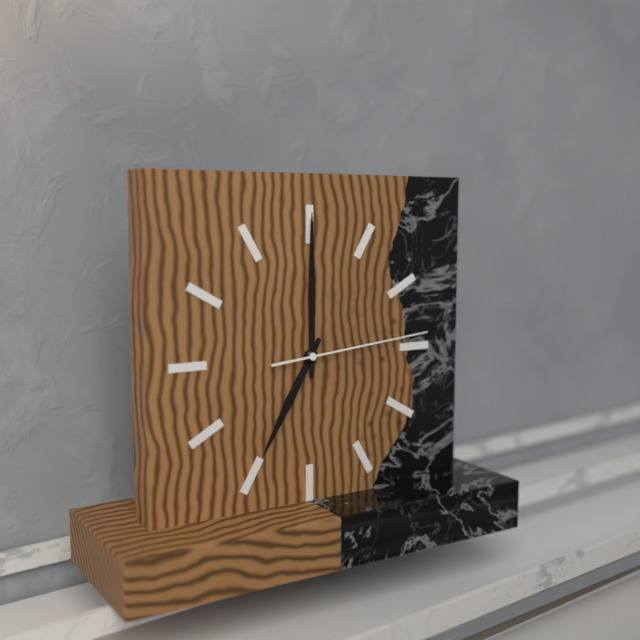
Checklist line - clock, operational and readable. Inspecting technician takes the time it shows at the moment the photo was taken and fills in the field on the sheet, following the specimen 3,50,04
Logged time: 7,00,14
